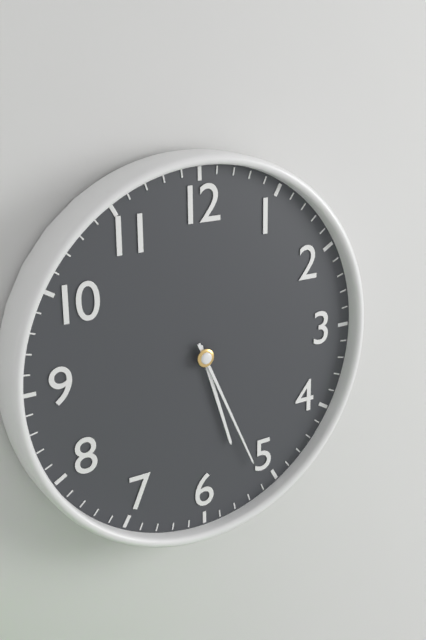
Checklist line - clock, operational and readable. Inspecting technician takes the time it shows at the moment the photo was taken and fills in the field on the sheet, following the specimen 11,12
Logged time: 5,26
